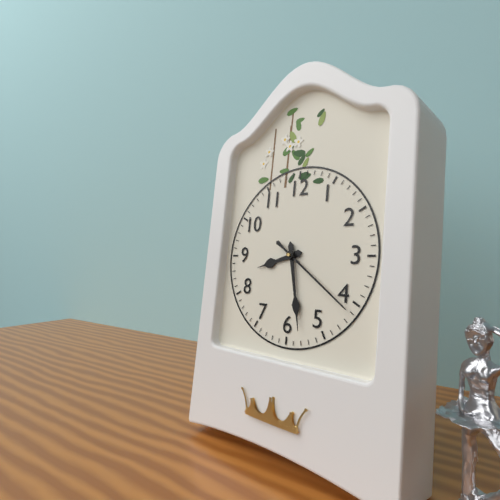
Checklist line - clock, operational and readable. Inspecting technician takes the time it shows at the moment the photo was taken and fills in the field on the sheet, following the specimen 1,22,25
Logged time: 8,28,21
